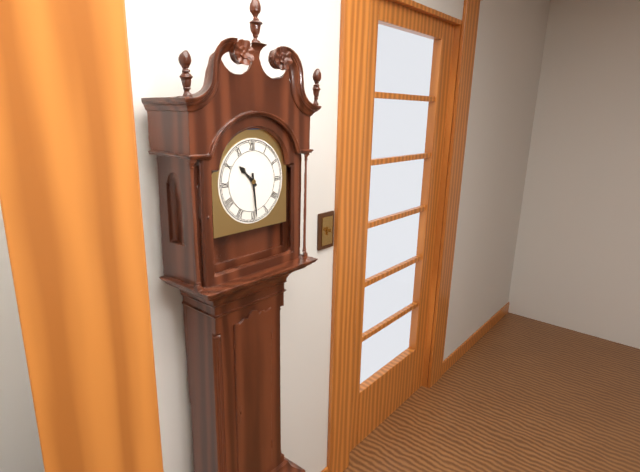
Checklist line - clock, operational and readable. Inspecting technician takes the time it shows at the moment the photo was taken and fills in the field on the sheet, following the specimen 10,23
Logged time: 10,29
